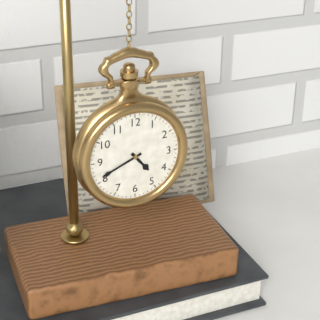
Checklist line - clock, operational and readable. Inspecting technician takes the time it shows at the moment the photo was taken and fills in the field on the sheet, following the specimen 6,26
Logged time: 4,41
